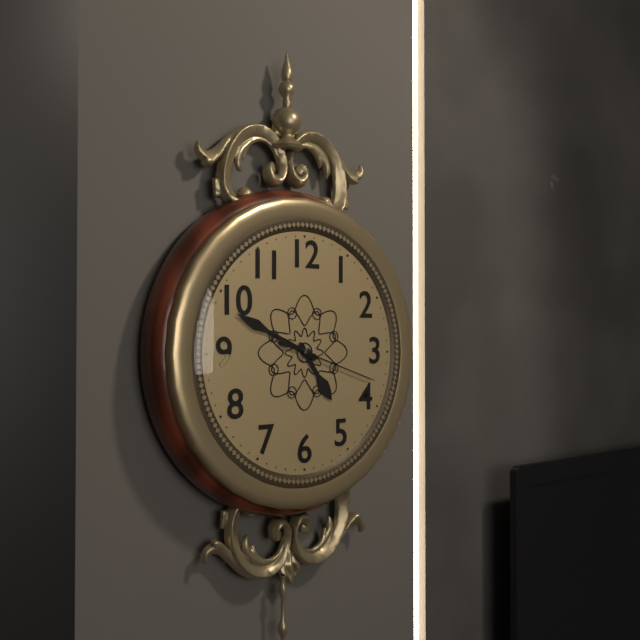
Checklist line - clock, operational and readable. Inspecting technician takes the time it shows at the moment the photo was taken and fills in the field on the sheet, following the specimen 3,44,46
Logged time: 4,49,18
